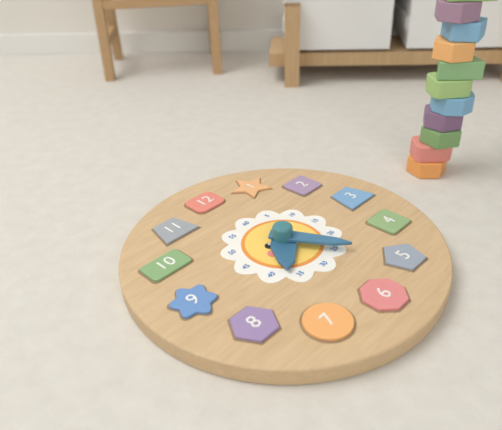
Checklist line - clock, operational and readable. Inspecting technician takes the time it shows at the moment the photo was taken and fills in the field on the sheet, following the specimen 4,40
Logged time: 7,25
